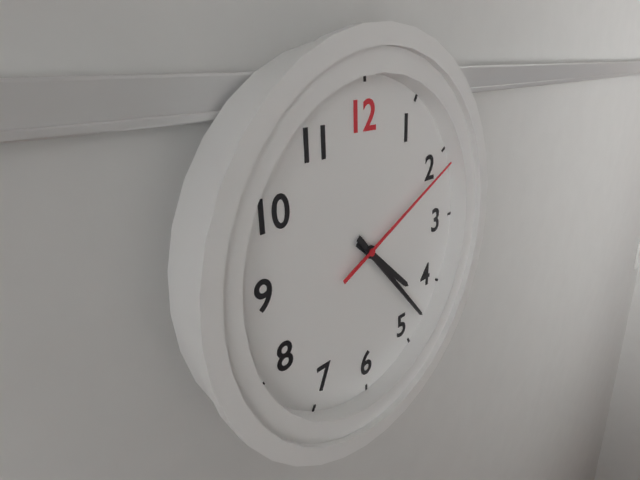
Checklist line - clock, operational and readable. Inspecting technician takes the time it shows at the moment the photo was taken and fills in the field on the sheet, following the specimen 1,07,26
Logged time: 4,23,11
